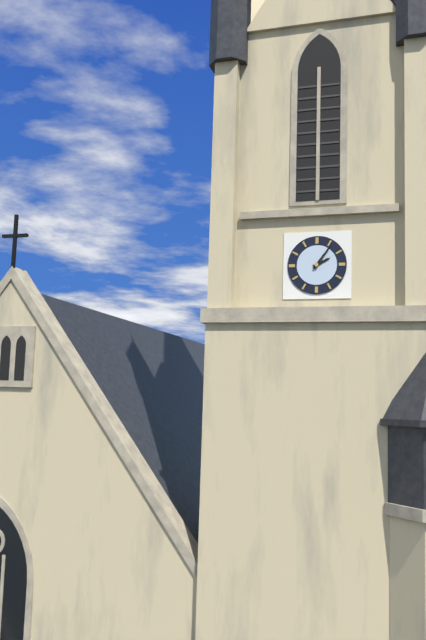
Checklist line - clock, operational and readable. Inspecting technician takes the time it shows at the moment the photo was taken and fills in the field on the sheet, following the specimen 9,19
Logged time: 2,06
